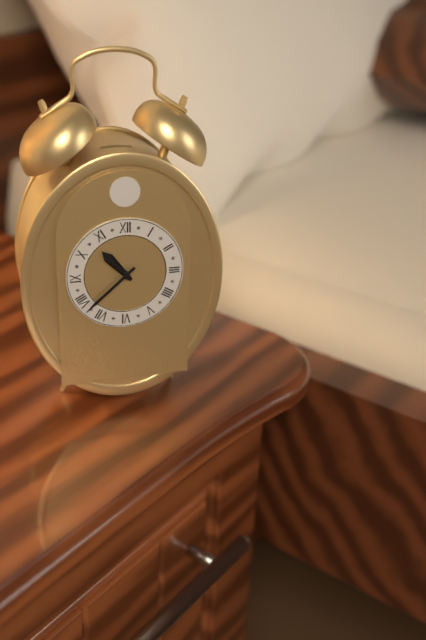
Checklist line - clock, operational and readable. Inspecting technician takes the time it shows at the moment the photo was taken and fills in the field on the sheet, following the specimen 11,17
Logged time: 10,38
